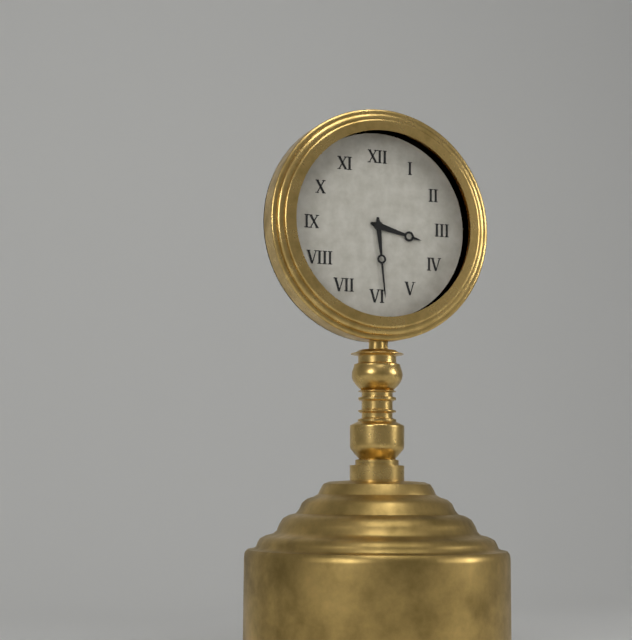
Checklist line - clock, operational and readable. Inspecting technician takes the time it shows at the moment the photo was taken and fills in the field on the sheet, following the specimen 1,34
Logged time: 3,29
